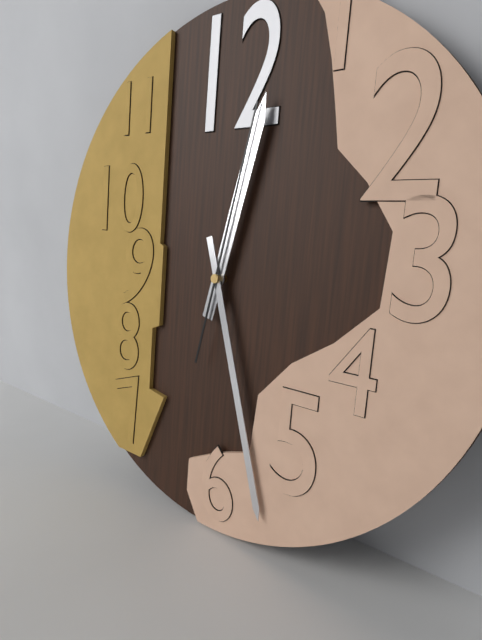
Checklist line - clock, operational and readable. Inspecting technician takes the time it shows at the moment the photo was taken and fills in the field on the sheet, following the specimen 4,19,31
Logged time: 12,27,02
